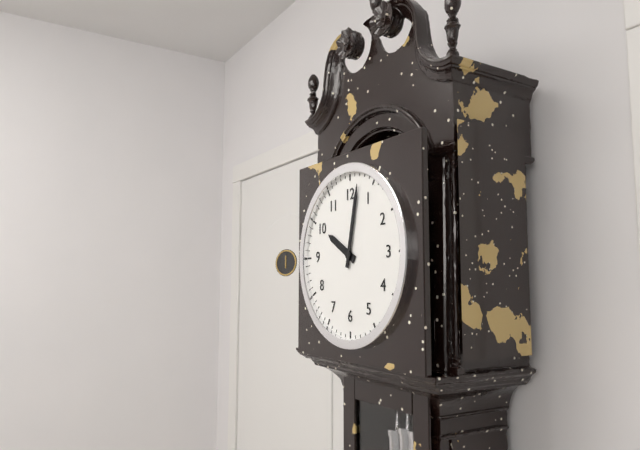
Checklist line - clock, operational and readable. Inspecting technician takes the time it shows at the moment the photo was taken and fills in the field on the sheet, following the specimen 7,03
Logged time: 10,02
